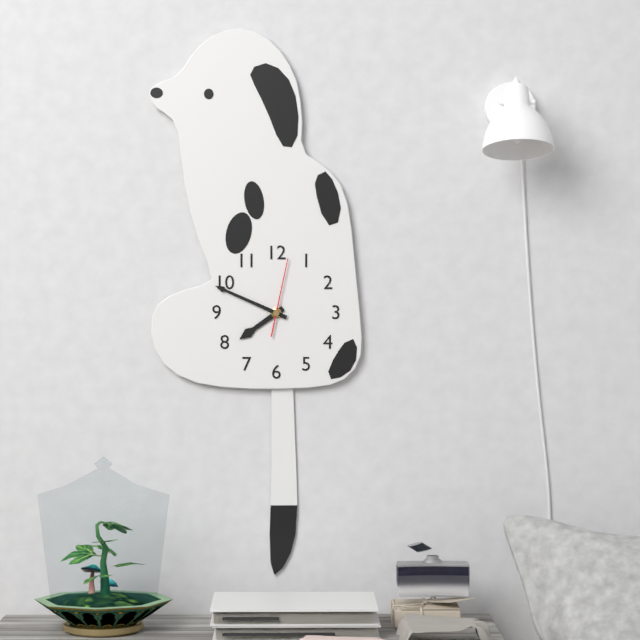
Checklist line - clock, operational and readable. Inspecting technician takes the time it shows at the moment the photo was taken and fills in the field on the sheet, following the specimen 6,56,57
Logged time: 7,49,02
